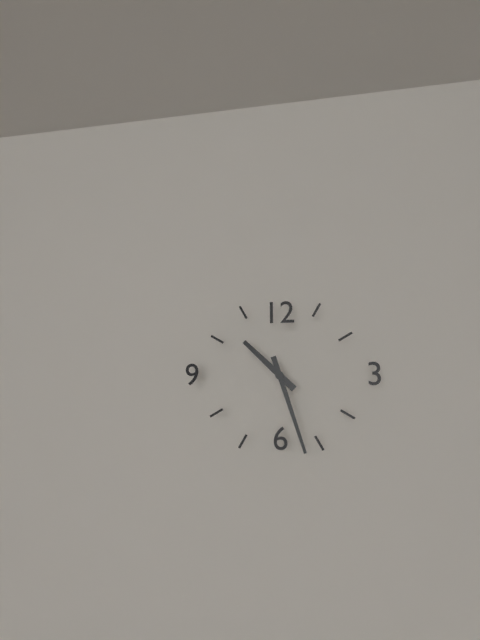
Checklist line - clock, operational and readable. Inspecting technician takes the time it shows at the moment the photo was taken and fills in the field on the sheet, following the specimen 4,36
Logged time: 10,27
